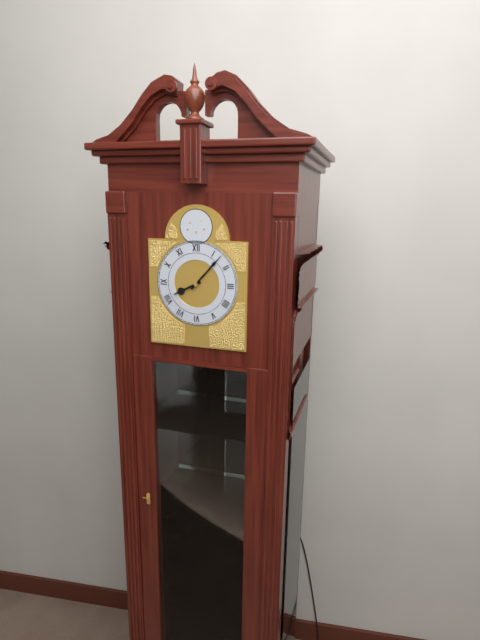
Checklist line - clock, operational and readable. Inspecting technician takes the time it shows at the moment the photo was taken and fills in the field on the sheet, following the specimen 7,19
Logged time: 8,07
